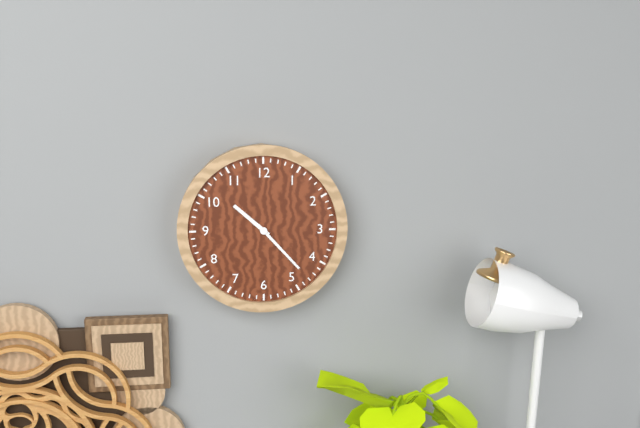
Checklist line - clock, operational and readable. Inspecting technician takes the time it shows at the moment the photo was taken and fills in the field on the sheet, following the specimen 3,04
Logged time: 10,23
